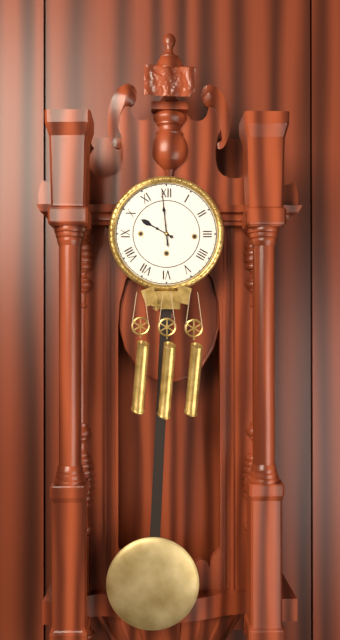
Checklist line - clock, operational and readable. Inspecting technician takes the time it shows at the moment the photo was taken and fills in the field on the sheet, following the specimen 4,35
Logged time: 9,59
